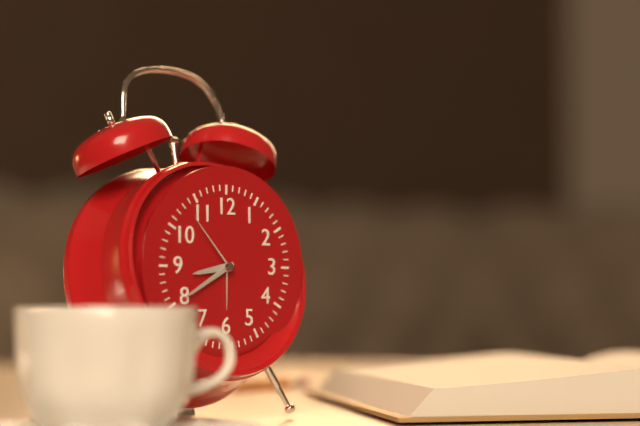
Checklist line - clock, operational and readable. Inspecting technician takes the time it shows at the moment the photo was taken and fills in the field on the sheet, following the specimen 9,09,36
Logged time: 8,40,53
